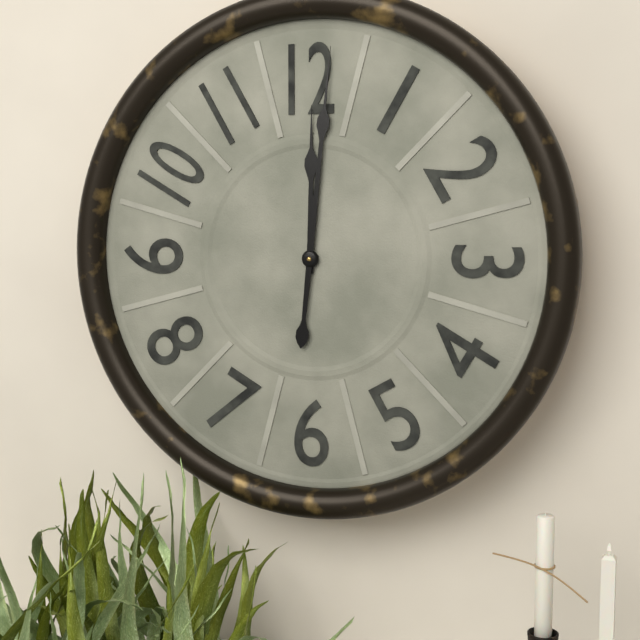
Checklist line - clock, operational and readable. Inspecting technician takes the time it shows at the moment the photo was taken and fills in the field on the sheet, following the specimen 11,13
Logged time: 12,01
